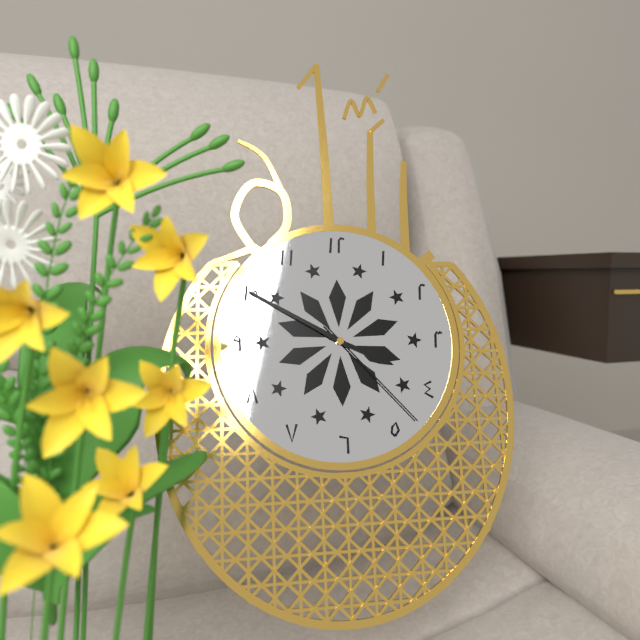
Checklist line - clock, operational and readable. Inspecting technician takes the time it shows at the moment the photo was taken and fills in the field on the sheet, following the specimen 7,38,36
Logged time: 3,50,23
